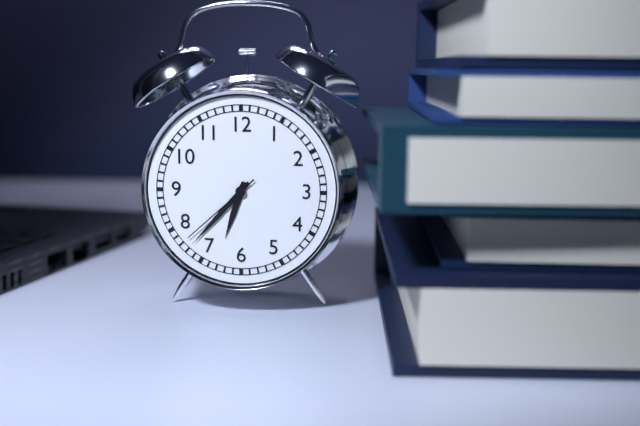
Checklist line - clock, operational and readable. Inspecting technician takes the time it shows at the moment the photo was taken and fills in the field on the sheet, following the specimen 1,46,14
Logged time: 6,37,38
